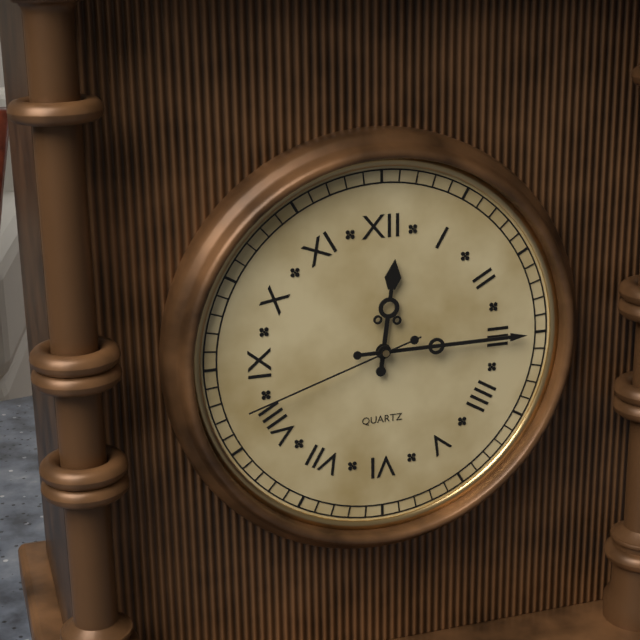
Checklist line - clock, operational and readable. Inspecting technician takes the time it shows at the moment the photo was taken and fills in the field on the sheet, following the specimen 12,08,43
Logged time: 12,15,42
